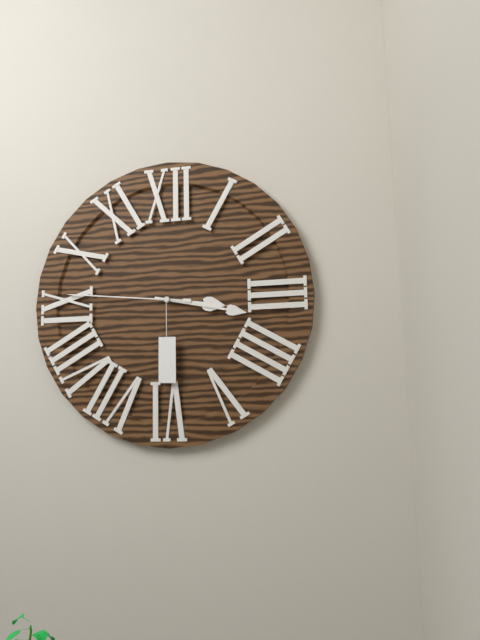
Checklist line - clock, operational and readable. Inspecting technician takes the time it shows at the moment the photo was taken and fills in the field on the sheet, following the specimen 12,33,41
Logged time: 3,17,46
